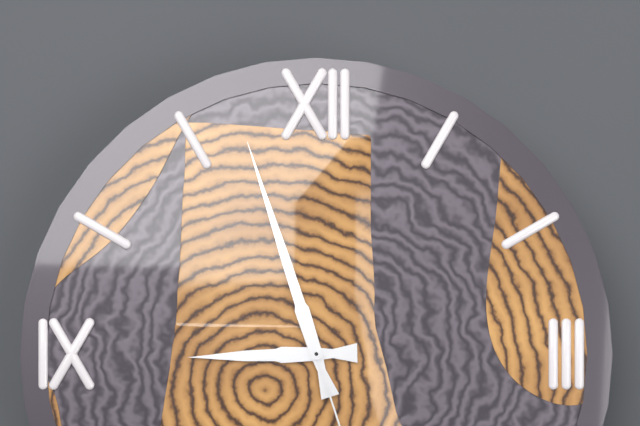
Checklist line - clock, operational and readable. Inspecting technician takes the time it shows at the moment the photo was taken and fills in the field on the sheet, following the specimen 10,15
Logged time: 8,57
